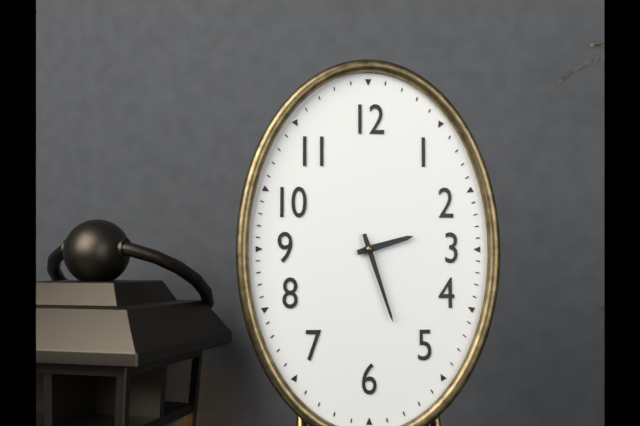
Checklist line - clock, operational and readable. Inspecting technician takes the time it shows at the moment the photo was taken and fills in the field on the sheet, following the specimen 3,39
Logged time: 2,27
